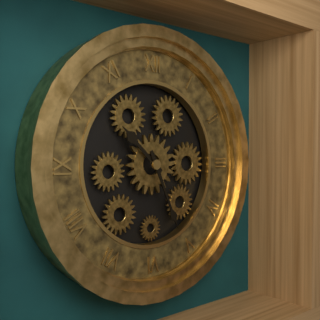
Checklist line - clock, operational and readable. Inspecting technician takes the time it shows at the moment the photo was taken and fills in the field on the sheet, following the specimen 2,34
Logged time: 10,26
